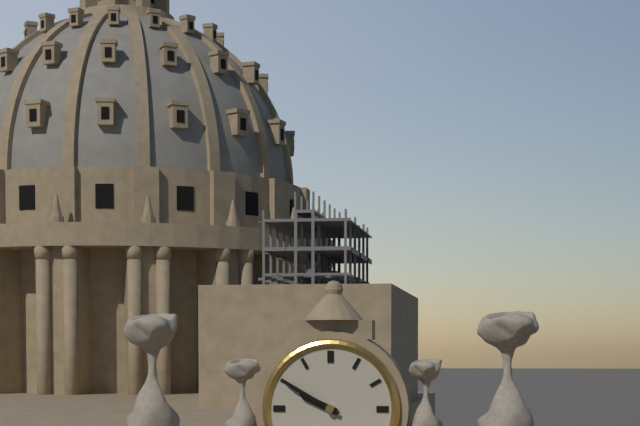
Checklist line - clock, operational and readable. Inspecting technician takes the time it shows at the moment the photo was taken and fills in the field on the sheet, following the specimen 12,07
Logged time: 9,50
